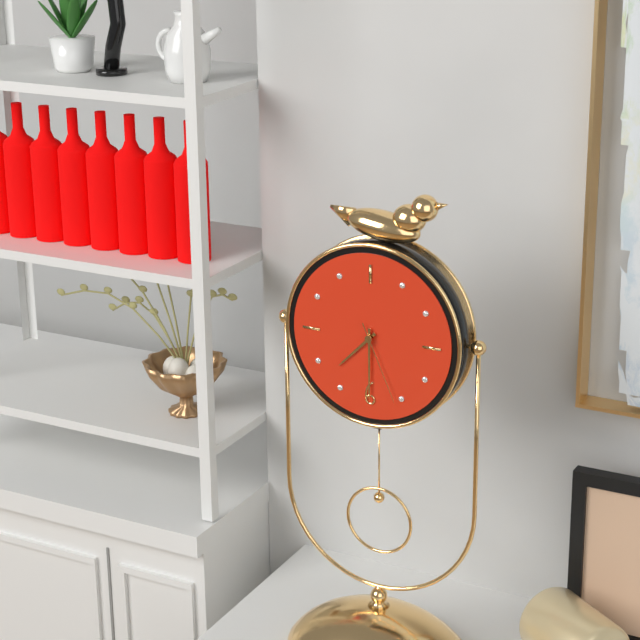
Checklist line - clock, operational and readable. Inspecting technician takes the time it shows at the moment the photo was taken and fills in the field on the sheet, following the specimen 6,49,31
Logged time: 7,30,26
